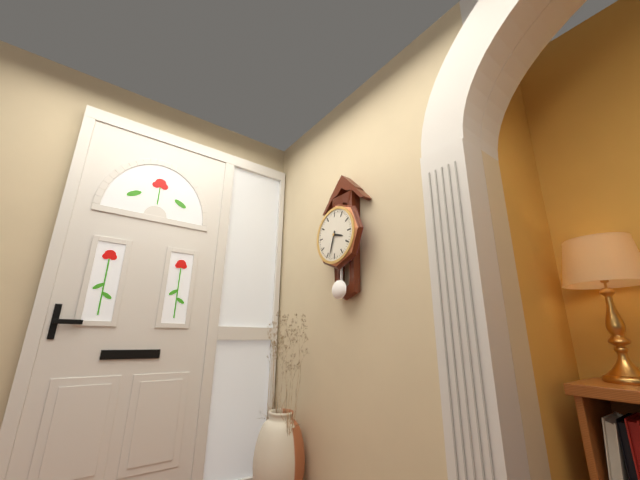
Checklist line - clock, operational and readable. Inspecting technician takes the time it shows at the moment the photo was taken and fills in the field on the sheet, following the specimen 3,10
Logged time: 3,33
